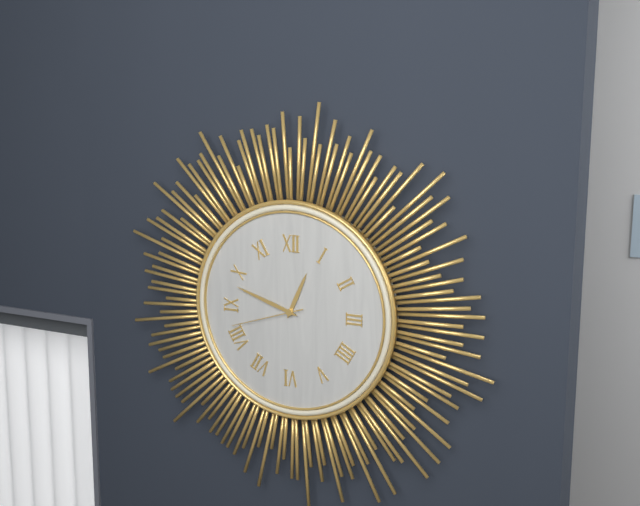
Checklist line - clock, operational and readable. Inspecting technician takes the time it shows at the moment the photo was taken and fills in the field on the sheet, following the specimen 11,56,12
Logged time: 12,48,42
